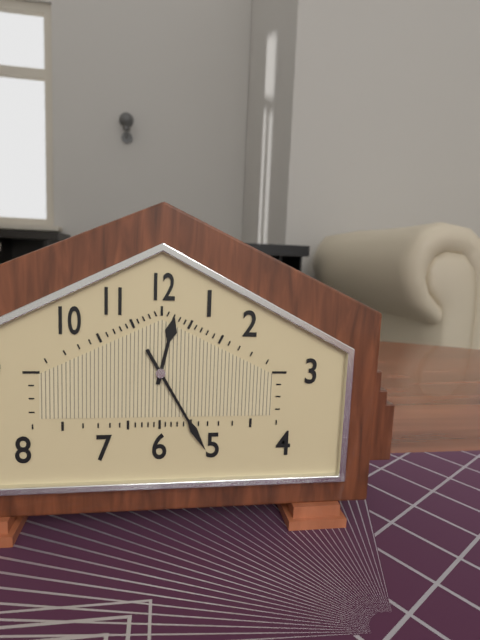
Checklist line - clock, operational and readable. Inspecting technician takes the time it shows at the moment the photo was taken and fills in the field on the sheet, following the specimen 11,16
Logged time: 12,25
